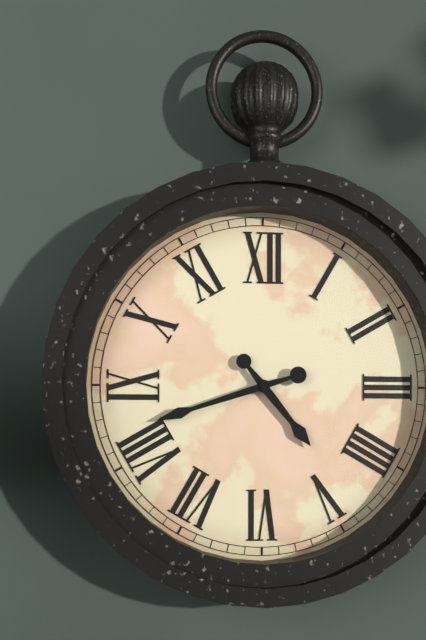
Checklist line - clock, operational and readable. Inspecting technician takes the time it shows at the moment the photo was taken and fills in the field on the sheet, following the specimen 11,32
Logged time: 4,42
